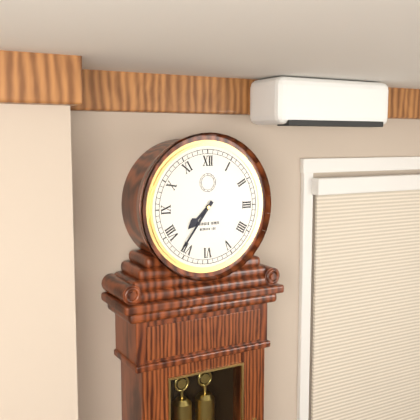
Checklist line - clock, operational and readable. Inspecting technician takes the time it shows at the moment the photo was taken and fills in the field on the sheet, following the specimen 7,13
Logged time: 7,36
